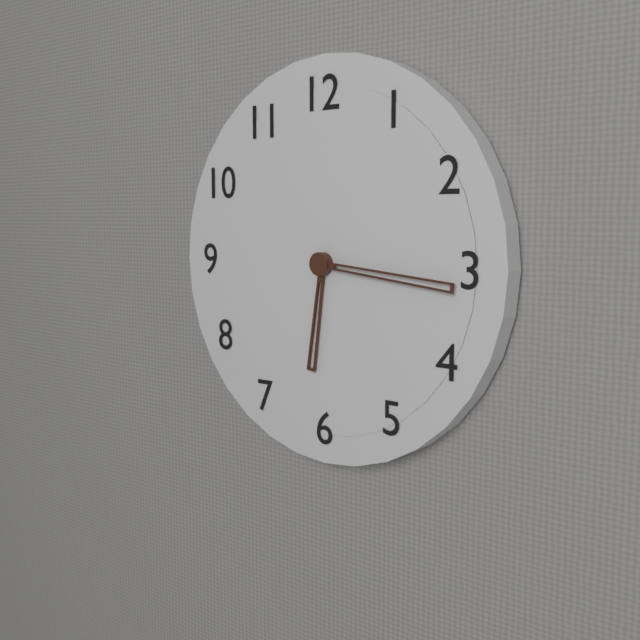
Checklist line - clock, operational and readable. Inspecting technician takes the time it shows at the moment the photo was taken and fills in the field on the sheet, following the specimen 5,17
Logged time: 6,16
